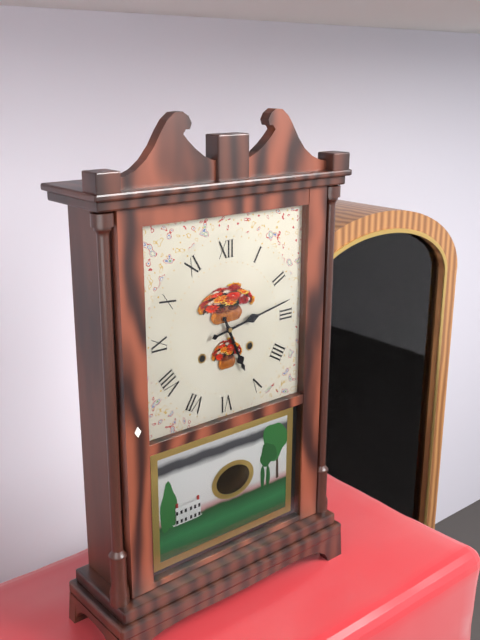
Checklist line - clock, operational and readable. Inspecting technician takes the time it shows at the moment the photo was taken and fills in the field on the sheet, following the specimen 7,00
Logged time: 5,13
